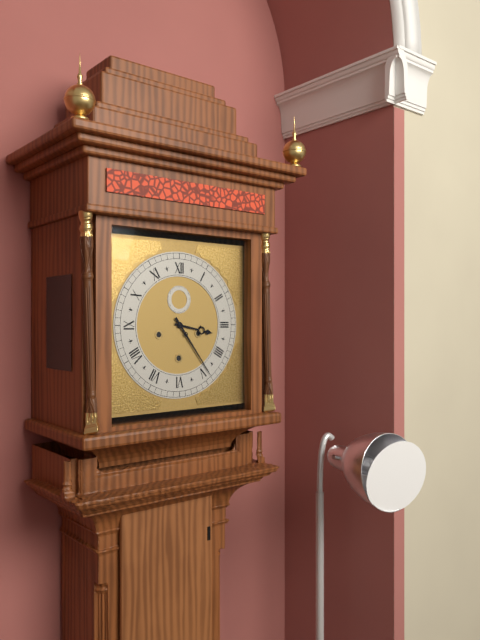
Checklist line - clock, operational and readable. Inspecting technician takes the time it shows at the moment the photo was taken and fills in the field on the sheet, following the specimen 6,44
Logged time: 3,24
